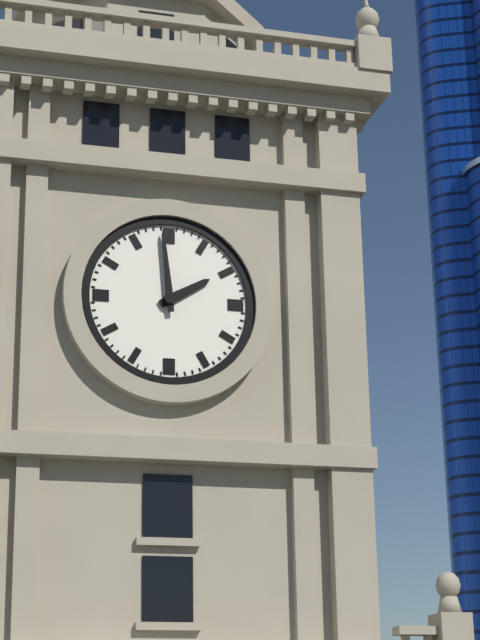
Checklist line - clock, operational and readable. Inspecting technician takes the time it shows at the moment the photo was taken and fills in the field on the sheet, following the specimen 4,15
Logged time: 1,59
